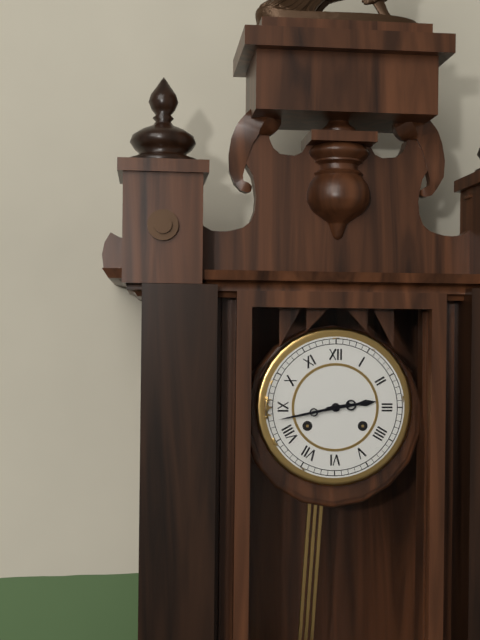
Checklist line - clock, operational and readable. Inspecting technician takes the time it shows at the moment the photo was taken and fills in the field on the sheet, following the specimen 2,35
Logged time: 2,43
